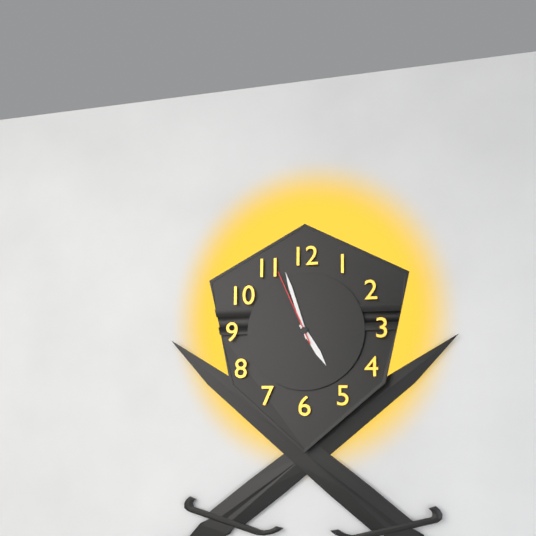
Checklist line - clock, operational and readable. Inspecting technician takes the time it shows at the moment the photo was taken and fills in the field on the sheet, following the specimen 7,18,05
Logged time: 4,57,56
